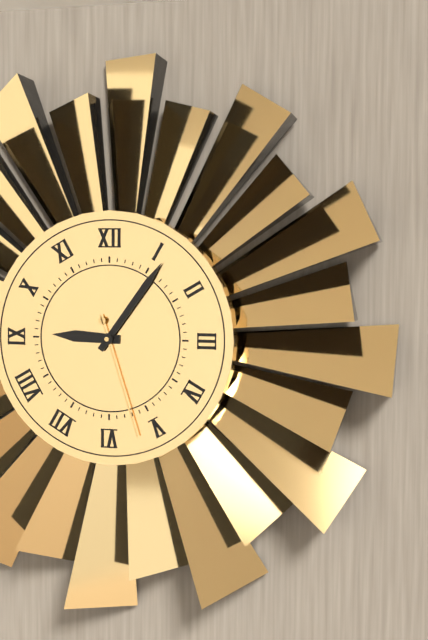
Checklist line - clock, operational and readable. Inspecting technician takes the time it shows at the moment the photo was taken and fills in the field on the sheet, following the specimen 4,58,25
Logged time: 9,06,27
